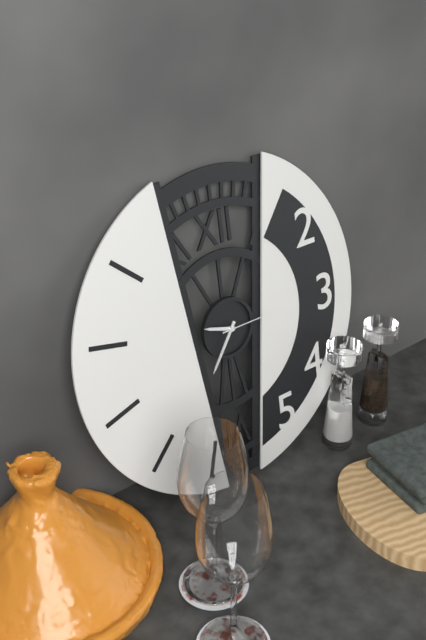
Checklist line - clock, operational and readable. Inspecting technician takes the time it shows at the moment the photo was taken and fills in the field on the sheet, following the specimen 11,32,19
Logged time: 9,36,15
